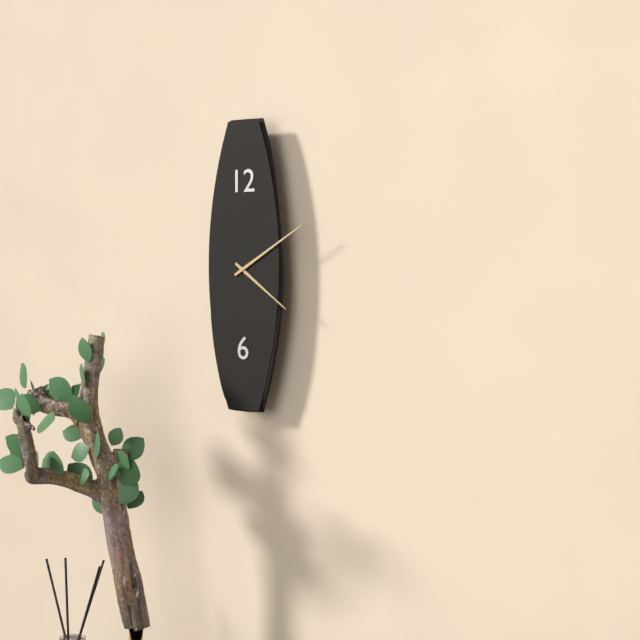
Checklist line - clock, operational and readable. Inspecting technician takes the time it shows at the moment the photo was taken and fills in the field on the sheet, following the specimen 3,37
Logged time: 4,10
